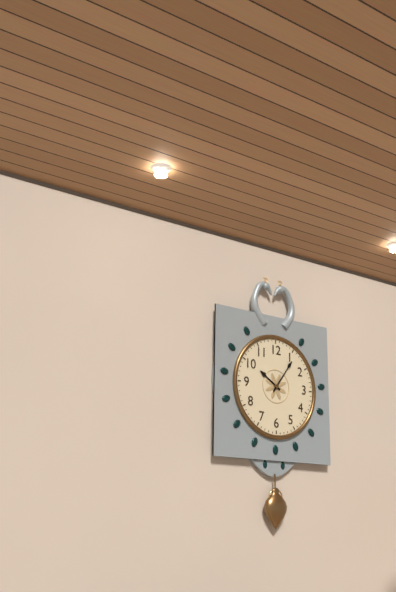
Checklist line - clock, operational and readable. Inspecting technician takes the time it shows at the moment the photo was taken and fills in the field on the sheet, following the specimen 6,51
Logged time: 10,06
